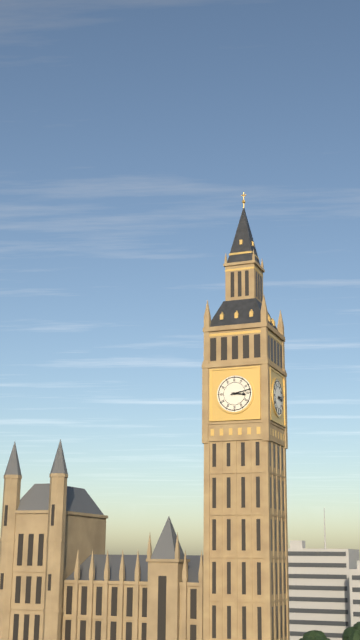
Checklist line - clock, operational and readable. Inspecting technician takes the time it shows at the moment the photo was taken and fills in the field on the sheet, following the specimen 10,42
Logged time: 3,13
